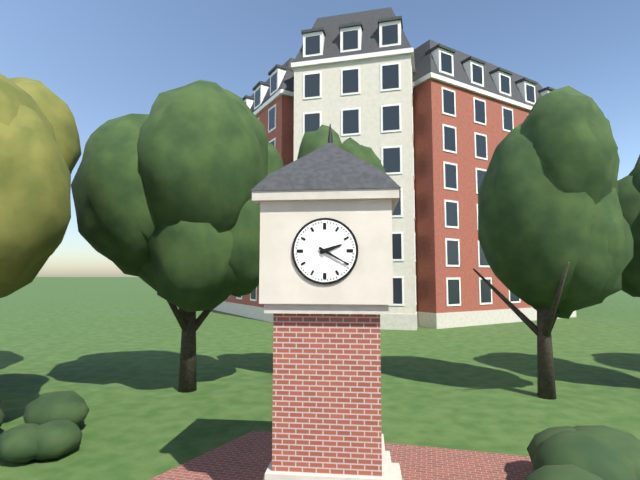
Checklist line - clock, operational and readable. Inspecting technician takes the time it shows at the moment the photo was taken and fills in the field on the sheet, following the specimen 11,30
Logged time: 2,20
